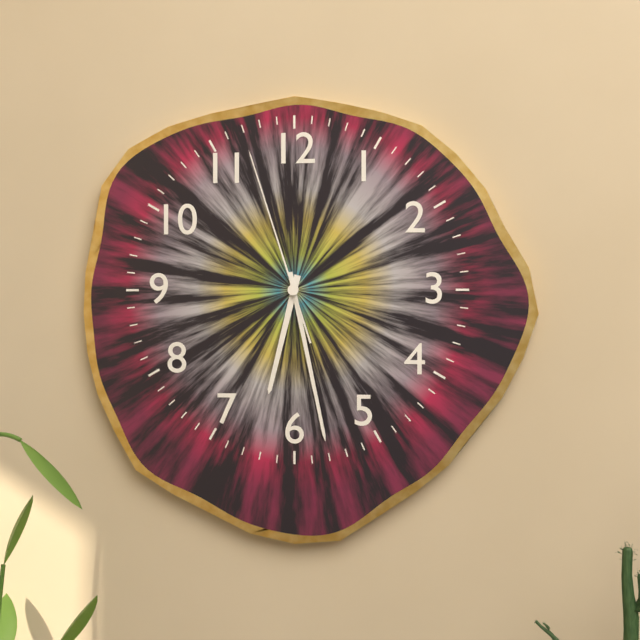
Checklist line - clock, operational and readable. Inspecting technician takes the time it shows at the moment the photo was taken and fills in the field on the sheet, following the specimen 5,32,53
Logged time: 6,28,57
